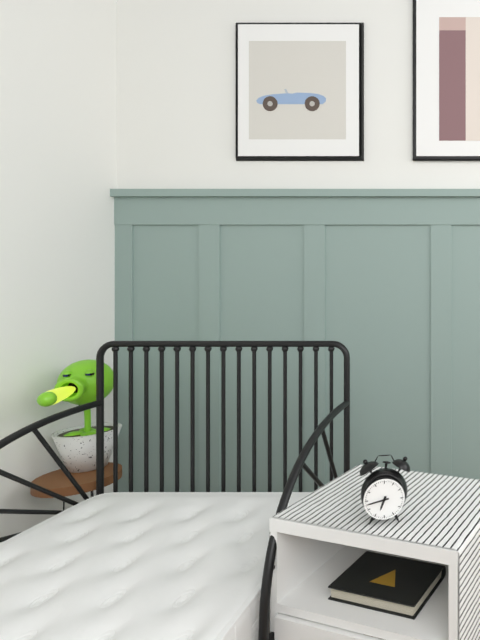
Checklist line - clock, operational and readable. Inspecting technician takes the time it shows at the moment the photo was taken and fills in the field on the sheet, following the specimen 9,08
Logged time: 6,43
